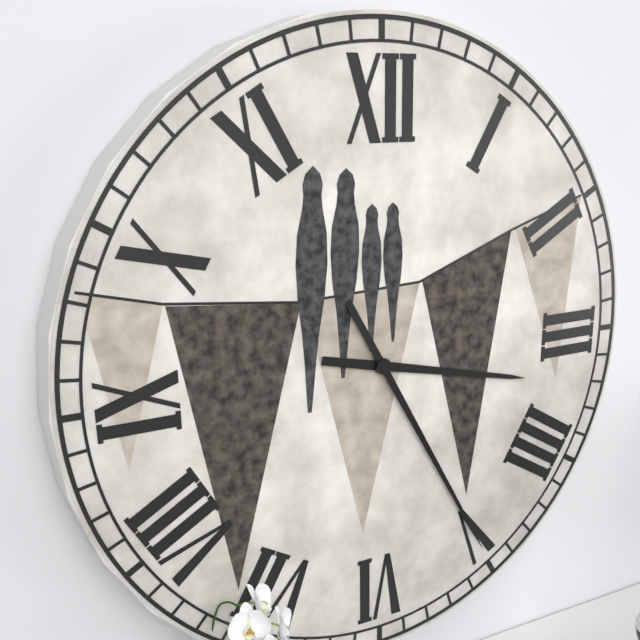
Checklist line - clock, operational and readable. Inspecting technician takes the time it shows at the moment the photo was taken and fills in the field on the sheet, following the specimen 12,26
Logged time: 3,25
